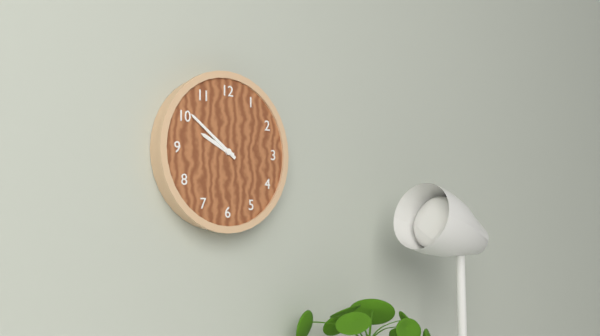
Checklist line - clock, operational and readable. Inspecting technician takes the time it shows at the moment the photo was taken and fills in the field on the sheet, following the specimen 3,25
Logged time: 9,51
